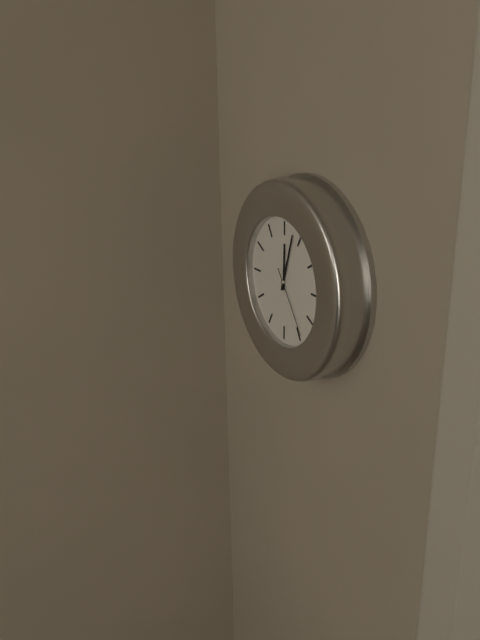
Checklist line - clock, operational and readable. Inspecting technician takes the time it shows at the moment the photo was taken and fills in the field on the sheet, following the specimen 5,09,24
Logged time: 12,03,24
